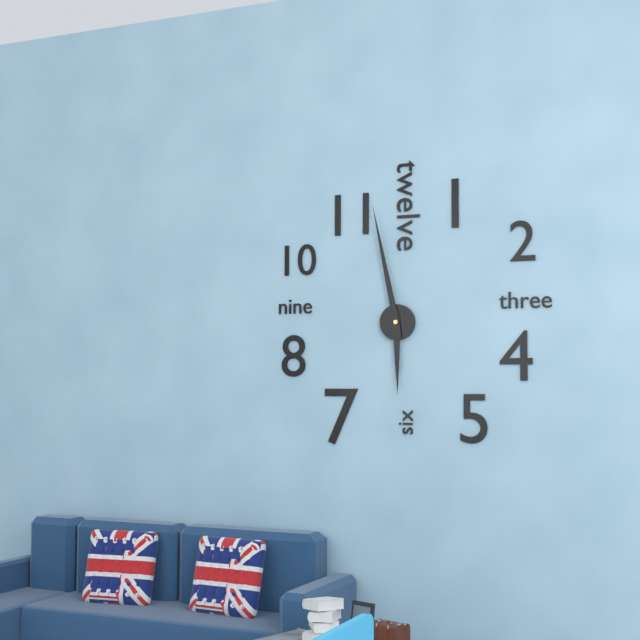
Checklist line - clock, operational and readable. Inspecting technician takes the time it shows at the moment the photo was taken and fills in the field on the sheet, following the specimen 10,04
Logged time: 5,58
